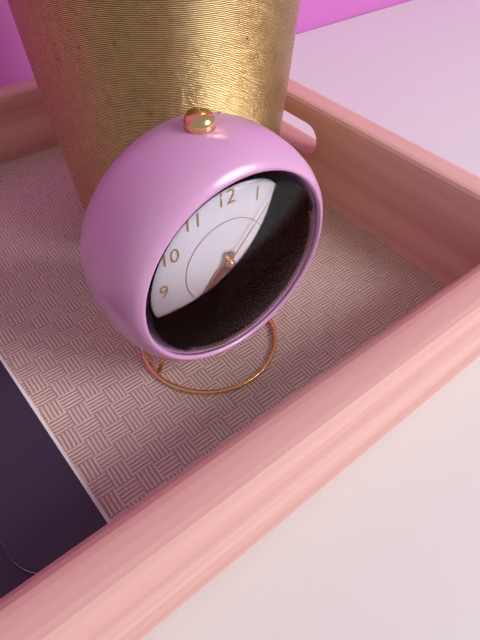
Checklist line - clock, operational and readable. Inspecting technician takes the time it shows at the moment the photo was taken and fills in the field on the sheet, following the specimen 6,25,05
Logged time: 7,30,07
